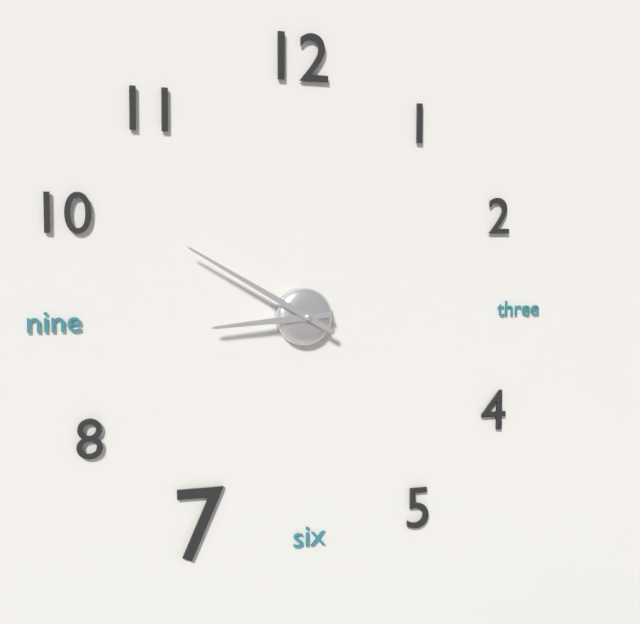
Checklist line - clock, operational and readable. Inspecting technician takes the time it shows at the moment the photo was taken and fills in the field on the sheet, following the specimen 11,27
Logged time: 8,50
